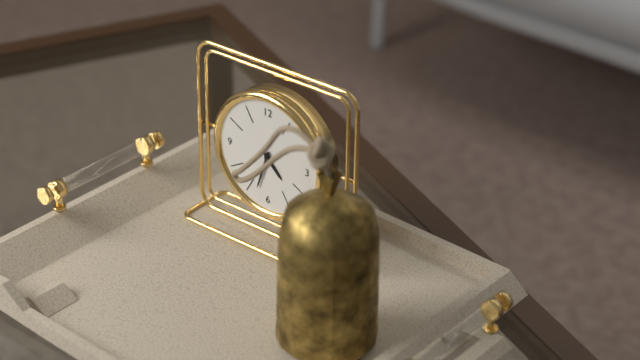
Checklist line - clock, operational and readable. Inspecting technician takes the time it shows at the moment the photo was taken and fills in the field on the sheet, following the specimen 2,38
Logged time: 4,33
